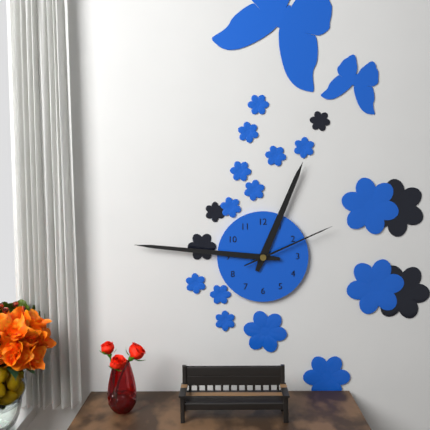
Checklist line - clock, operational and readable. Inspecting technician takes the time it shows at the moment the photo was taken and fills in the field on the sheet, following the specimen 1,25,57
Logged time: 12,46,11
